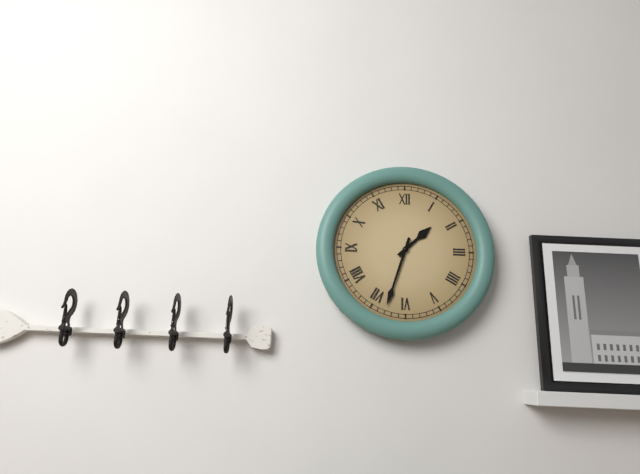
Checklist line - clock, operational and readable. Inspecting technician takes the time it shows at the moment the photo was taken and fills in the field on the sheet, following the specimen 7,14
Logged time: 1,33
